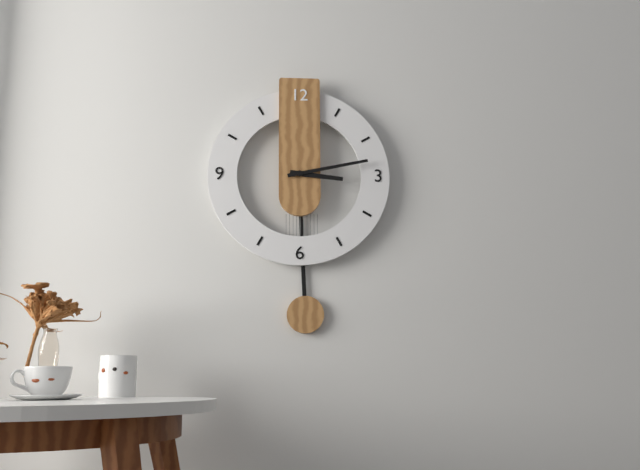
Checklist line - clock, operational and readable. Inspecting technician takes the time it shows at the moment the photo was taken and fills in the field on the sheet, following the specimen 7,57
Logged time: 3,13
